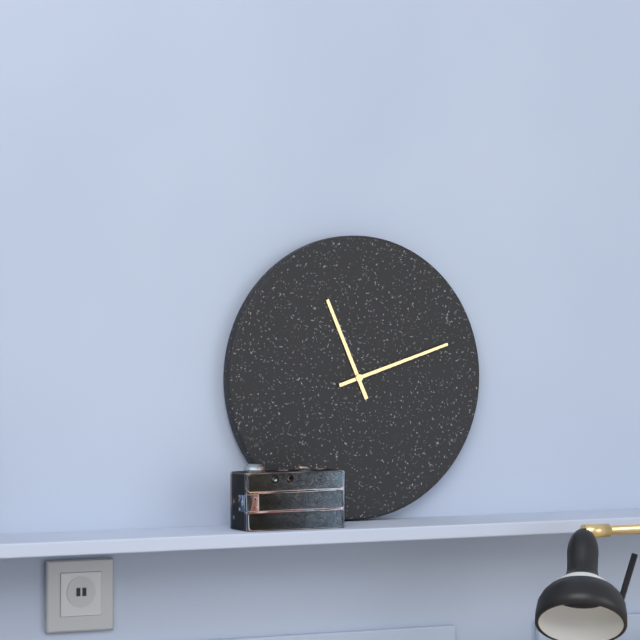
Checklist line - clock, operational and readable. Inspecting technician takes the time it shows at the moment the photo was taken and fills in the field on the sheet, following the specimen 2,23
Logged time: 11,12
